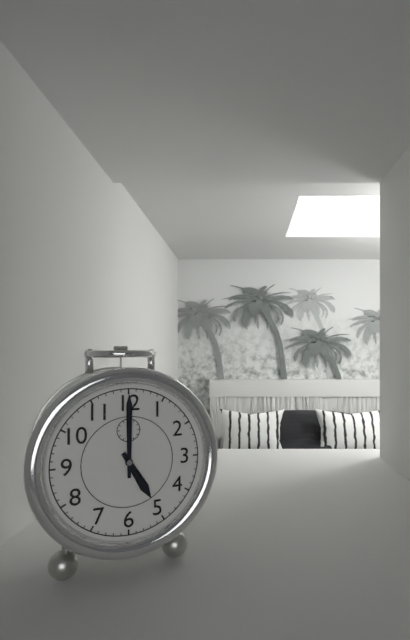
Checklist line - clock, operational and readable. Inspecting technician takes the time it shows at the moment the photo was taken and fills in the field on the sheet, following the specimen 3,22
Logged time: 5,00
